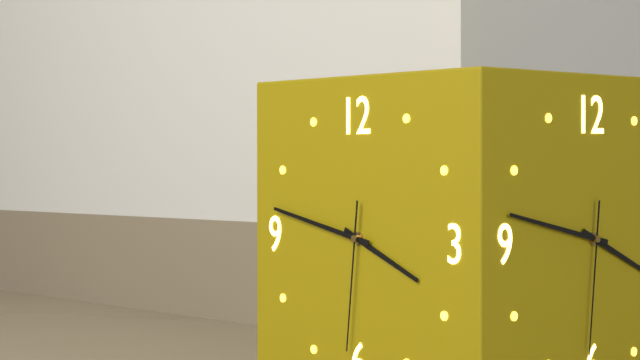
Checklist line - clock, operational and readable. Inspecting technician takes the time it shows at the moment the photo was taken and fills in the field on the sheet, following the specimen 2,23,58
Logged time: 3,47,31
